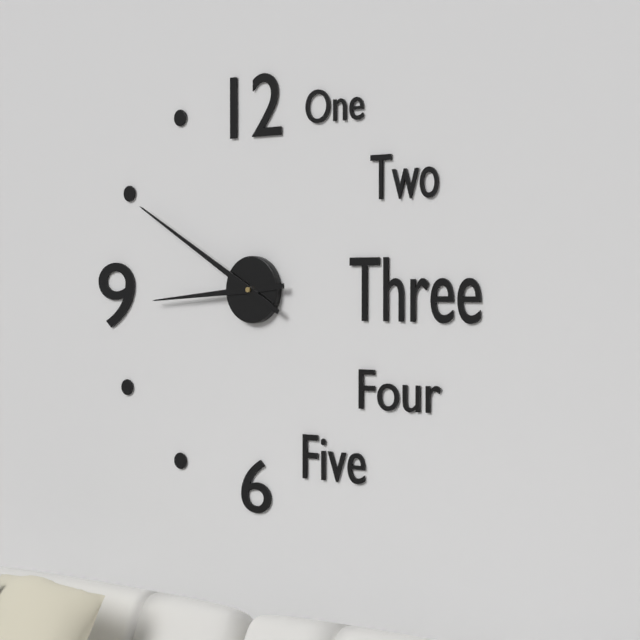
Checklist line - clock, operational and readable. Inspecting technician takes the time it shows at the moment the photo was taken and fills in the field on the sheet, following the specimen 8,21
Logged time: 8,50
